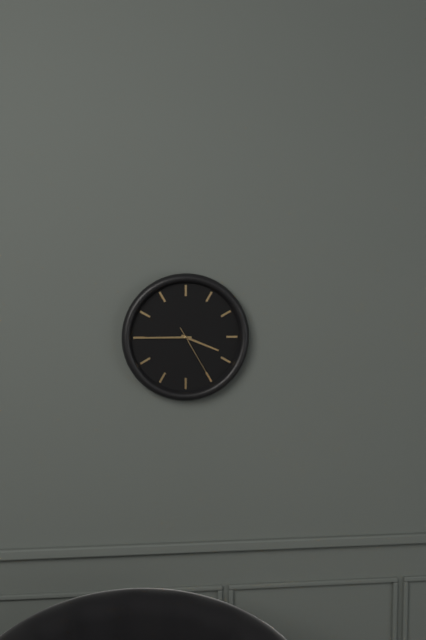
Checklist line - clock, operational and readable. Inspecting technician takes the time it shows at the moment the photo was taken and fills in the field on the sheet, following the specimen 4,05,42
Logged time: 3,45,25
